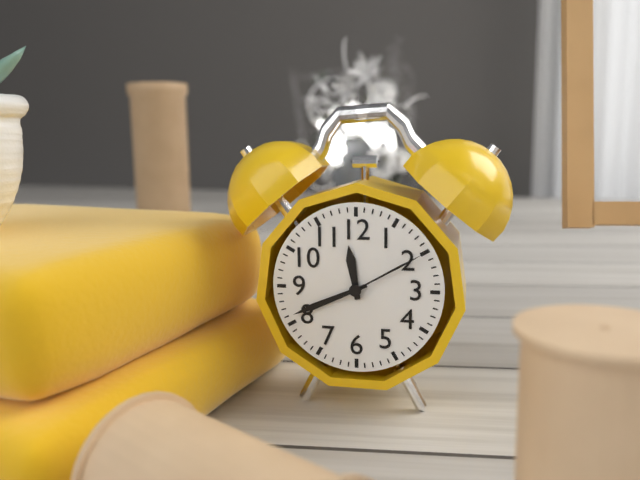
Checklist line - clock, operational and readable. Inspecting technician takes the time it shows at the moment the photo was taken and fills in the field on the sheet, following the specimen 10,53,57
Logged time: 11,41,10
